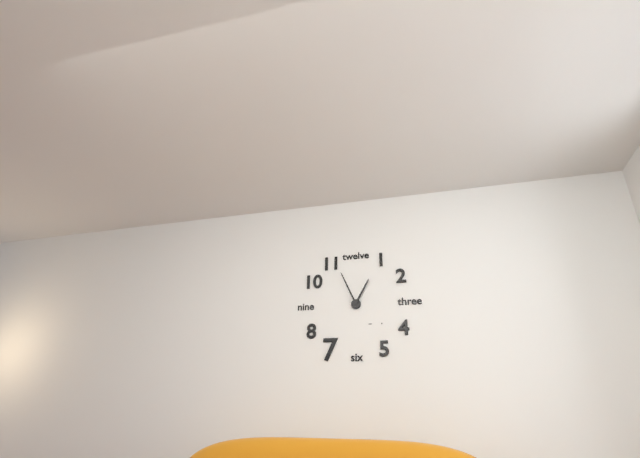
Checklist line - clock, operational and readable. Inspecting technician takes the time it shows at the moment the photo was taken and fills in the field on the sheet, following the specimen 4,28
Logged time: 12,56
